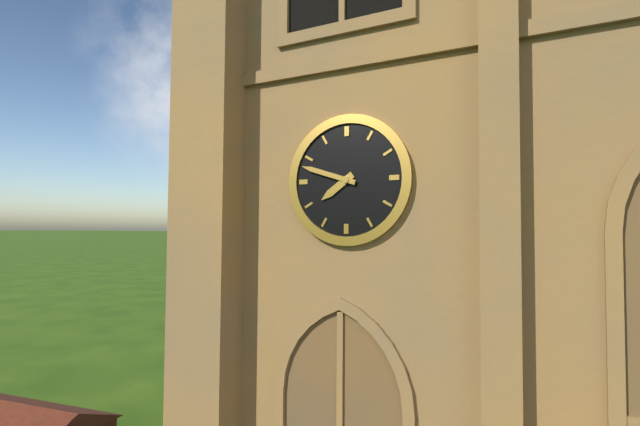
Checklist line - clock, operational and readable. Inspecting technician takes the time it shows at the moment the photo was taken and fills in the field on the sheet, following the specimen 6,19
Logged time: 7,48
